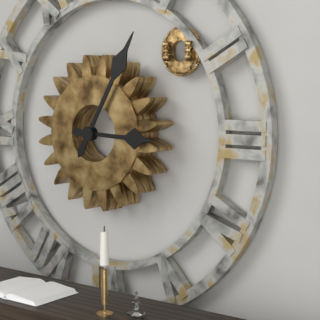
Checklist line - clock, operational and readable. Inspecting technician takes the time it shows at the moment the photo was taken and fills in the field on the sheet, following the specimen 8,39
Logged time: 3,05
